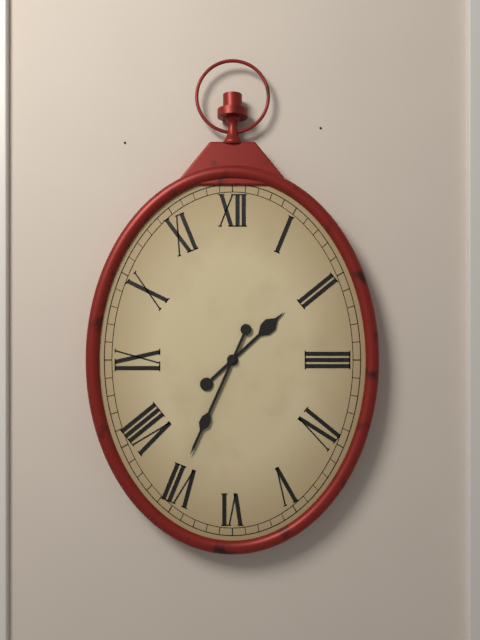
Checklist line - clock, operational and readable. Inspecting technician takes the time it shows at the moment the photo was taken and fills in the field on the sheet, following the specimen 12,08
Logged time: 1,34
